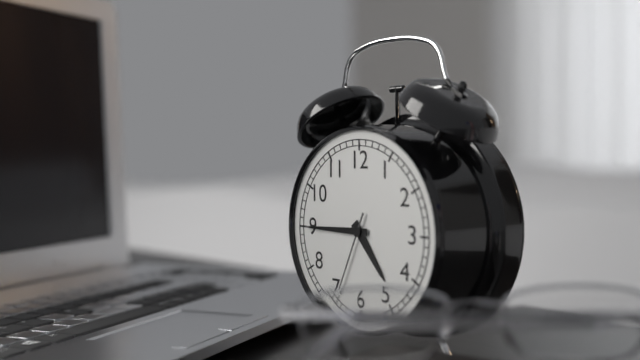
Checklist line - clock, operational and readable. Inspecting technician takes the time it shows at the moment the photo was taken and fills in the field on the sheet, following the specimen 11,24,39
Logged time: 4,45,34
